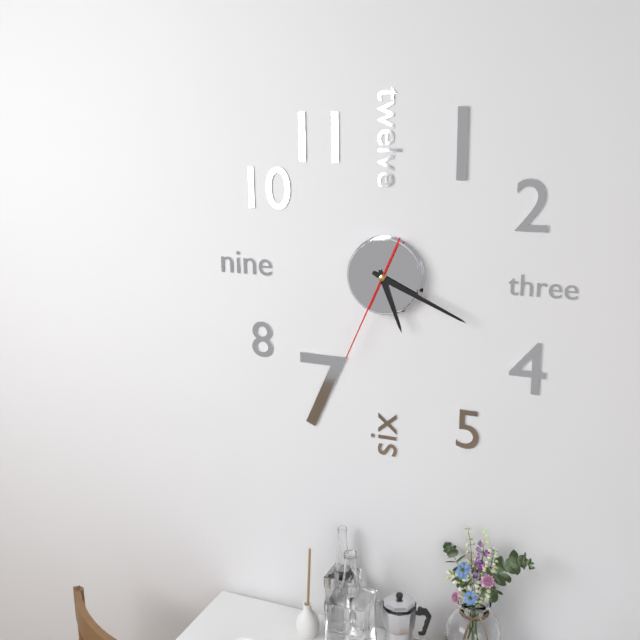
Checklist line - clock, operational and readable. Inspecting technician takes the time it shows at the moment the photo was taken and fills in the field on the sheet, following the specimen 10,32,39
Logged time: 5,19,34
